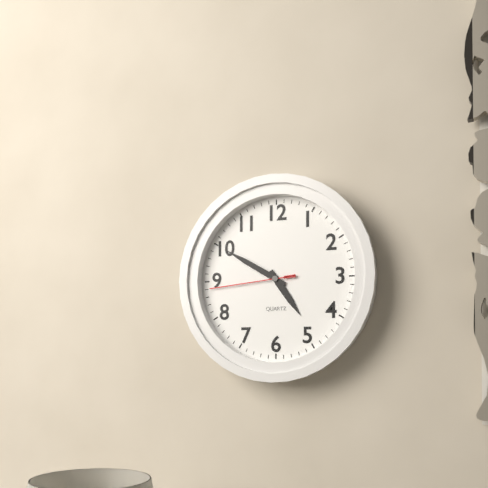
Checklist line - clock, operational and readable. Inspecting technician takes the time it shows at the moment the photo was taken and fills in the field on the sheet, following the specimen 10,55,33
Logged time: 4,50,44
